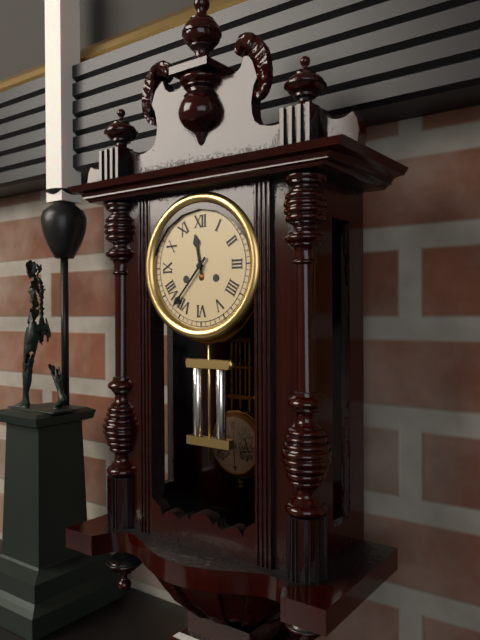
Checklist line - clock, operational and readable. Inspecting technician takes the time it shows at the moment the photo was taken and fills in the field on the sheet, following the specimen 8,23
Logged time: 11,37
